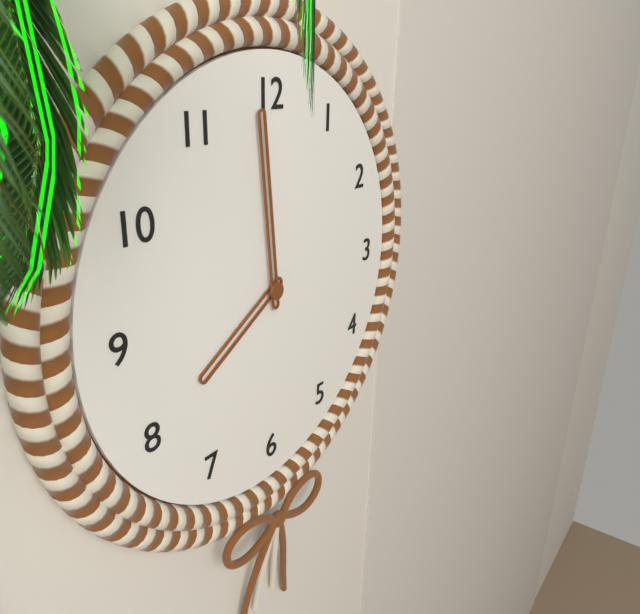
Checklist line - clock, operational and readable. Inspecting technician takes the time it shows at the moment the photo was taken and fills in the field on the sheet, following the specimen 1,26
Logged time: 7,59
